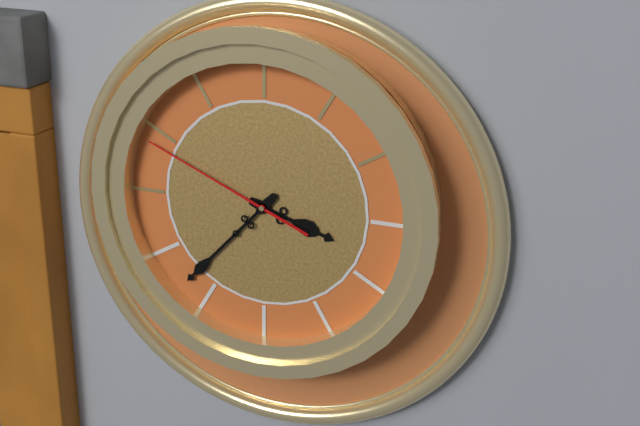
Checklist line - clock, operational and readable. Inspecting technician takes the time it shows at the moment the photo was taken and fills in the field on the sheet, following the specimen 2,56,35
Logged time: 3,37,49
